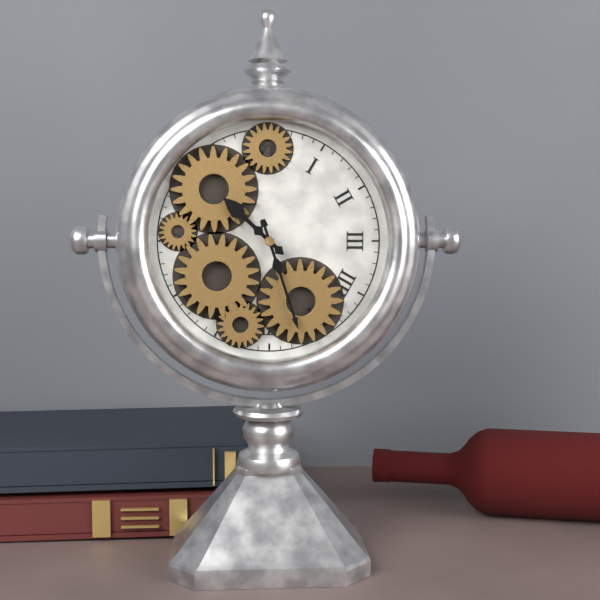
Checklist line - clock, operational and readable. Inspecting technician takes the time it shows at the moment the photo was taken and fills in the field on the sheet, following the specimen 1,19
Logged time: 10,27
